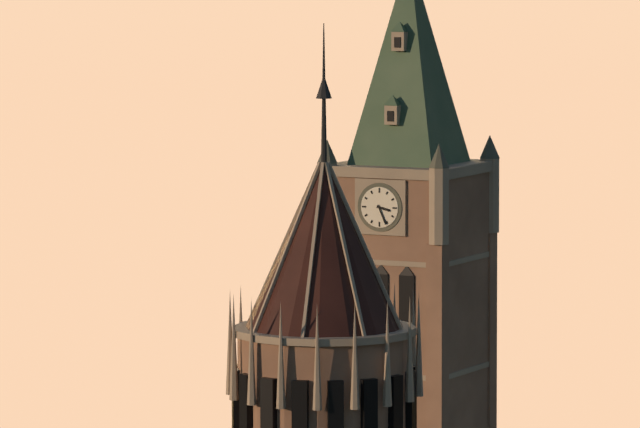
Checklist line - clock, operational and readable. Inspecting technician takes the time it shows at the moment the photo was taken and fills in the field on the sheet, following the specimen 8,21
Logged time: 3,26
